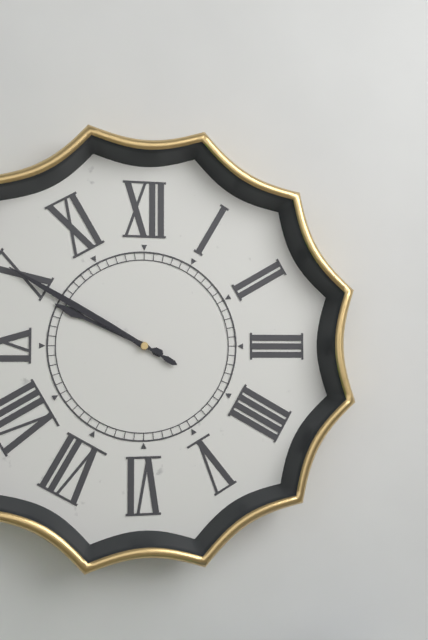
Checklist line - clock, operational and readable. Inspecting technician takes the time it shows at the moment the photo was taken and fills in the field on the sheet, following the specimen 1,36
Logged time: 9,50
